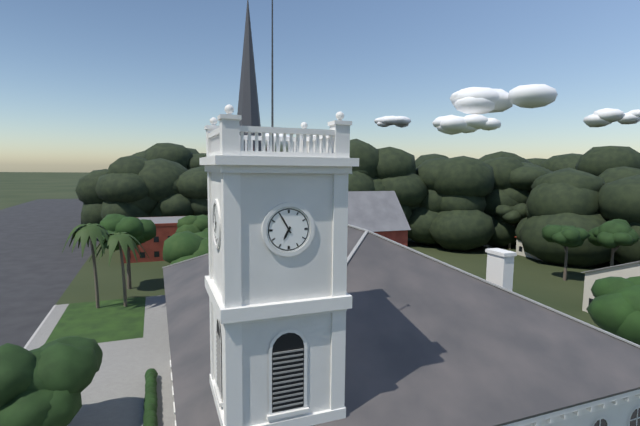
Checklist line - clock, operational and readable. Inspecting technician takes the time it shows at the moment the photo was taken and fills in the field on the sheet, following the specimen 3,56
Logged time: 6,55
